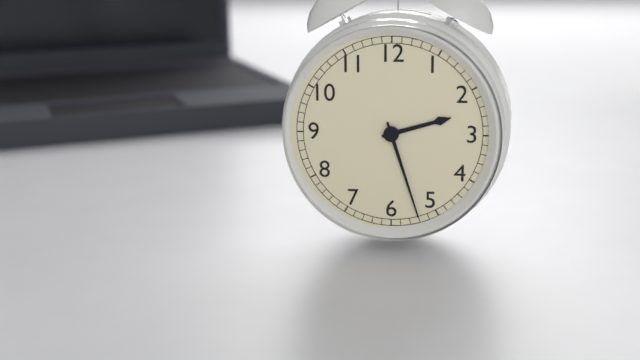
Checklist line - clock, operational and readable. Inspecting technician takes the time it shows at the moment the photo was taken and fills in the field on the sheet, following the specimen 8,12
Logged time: 2,27
